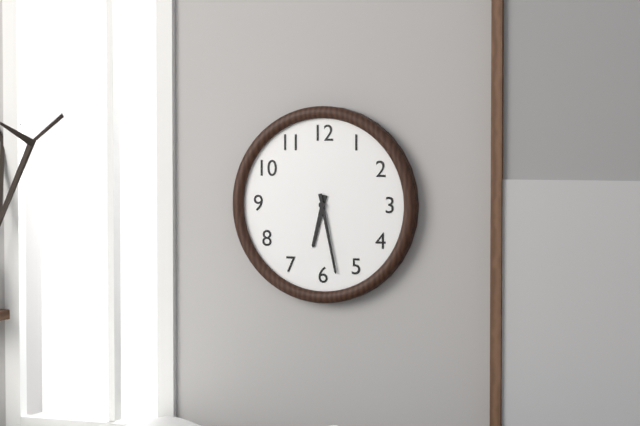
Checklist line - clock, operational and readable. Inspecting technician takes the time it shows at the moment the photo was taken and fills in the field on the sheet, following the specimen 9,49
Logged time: 6,28
